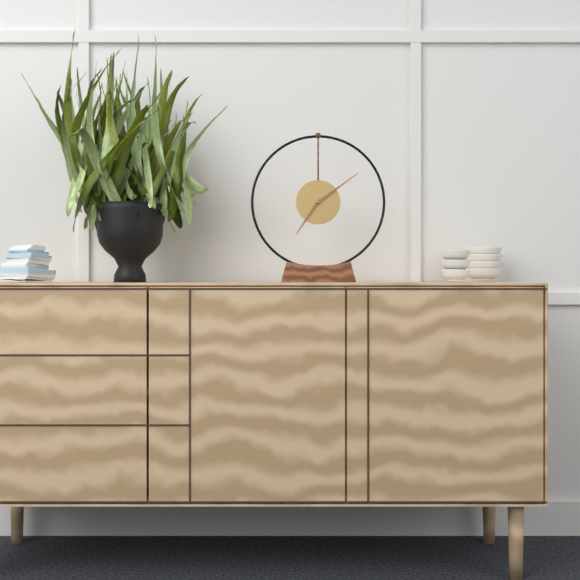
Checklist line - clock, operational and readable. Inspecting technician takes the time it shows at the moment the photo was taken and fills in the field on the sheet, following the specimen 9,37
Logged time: 7,09
